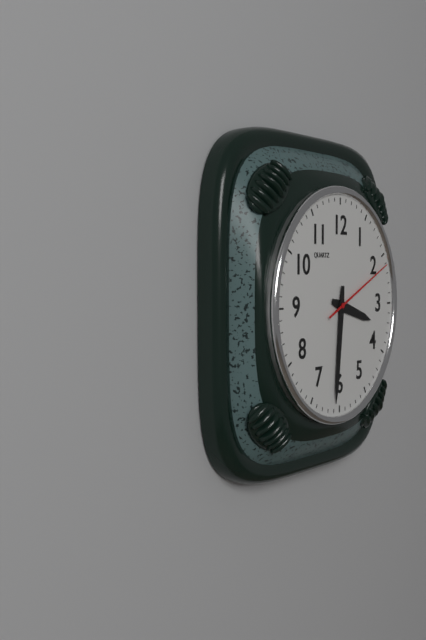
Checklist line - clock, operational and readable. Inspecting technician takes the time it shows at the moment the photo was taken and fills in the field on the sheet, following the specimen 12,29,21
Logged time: 3,31,11
